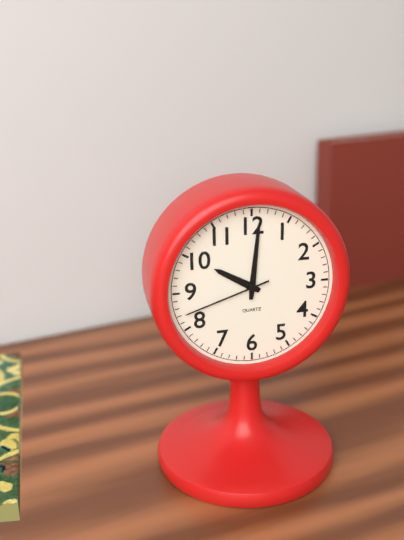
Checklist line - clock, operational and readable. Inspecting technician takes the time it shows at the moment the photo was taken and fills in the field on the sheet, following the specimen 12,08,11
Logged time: 10,01,42
